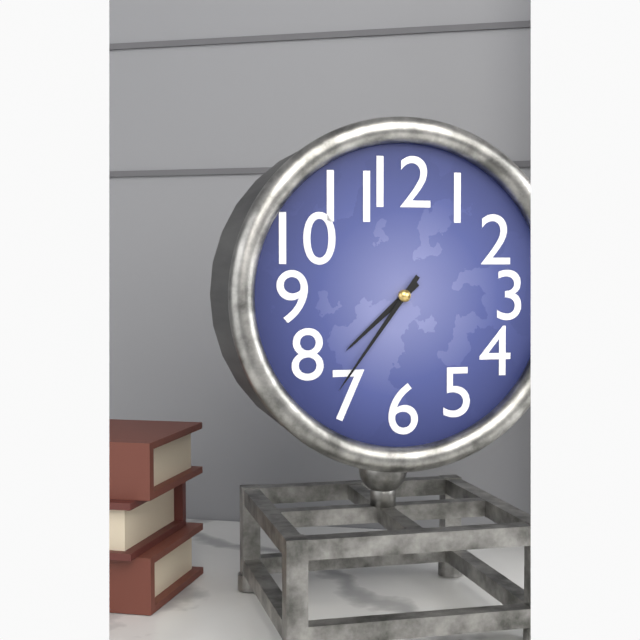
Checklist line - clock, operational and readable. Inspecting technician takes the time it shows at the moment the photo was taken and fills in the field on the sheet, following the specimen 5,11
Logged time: 7,36
